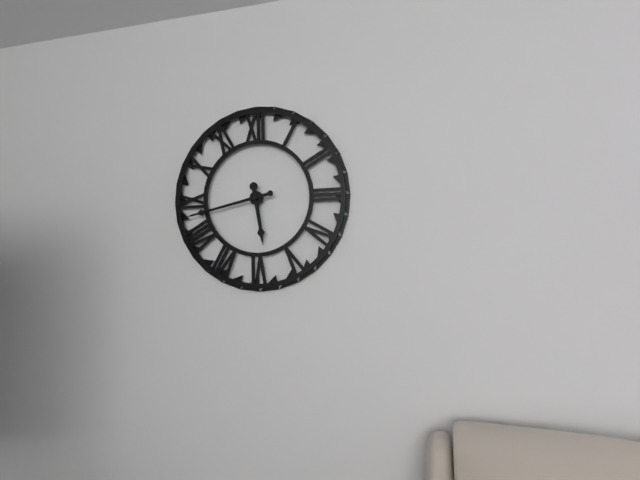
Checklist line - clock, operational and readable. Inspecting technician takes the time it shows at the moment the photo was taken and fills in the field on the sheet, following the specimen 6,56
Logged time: 5,43
